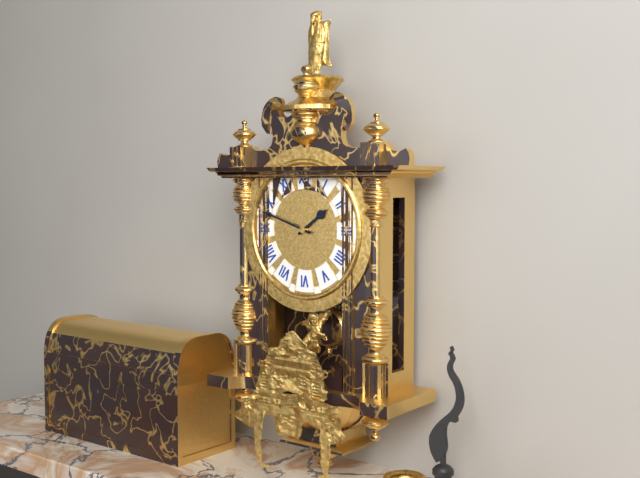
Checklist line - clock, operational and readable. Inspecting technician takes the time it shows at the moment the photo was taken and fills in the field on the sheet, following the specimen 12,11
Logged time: 1,48
